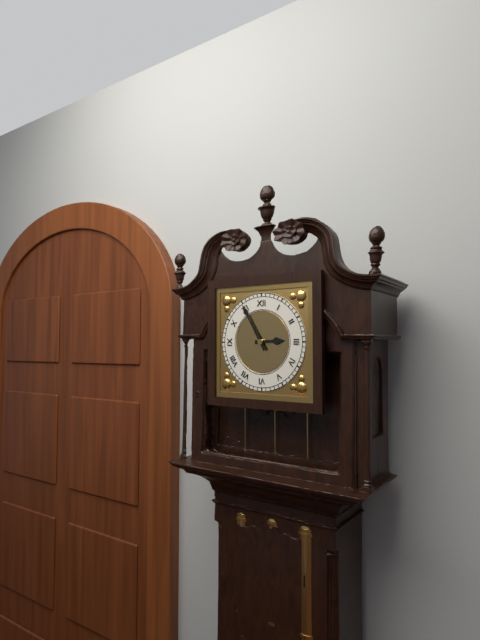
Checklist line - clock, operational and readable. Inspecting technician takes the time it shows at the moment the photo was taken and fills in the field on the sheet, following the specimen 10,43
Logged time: 2,55
